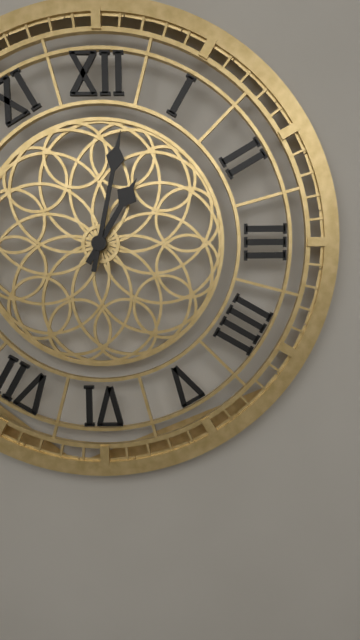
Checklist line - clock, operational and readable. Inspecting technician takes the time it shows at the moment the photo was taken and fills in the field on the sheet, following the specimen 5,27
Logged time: 1,02
